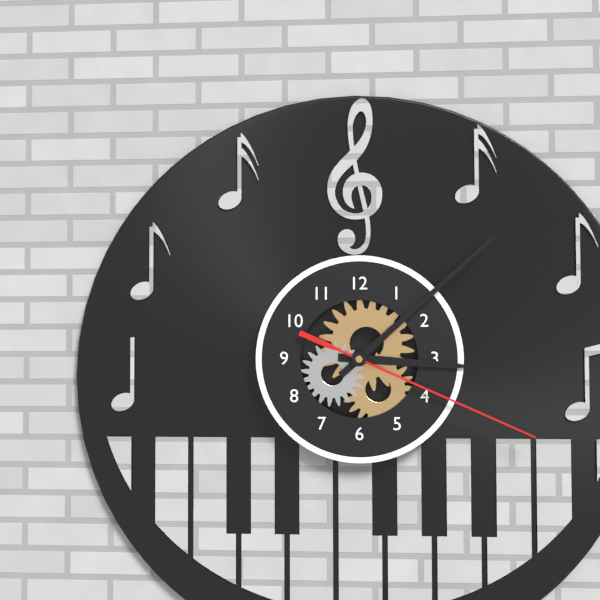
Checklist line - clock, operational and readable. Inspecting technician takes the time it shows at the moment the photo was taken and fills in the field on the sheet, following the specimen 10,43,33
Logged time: 3,08,19
